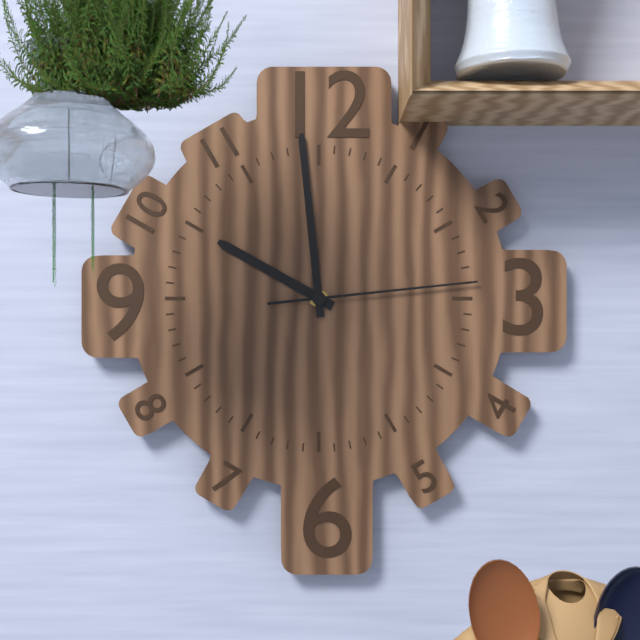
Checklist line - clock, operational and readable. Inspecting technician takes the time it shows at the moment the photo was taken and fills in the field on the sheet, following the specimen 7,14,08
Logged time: 9,59,14
